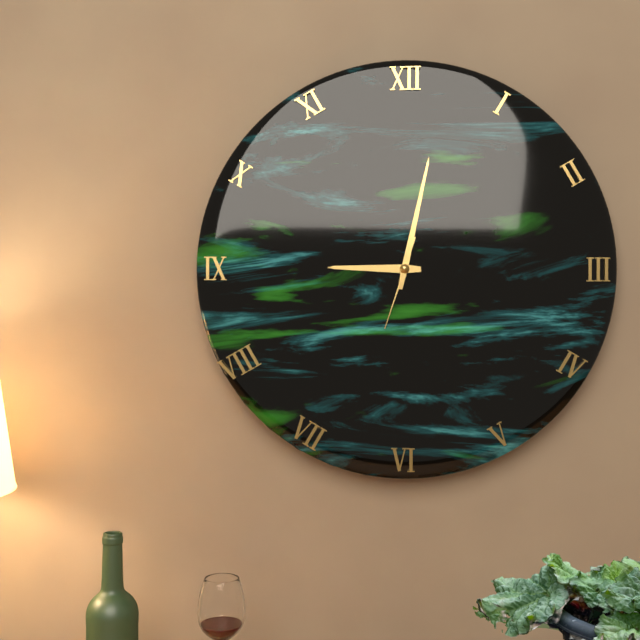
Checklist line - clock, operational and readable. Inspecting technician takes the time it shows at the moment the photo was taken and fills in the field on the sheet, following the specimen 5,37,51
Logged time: 9,02,33
